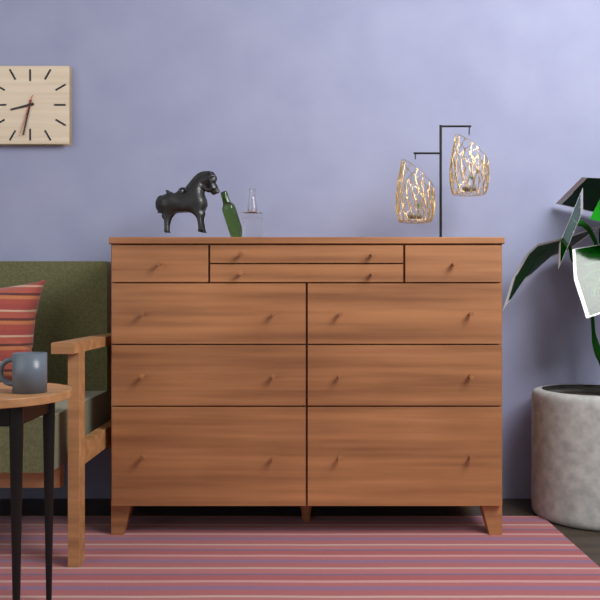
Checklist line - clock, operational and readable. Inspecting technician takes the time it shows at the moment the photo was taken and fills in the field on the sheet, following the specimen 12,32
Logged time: 8,32
